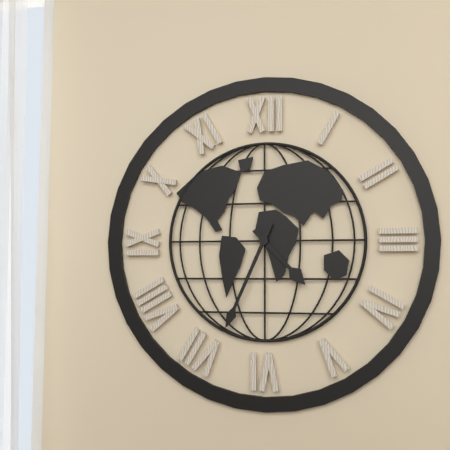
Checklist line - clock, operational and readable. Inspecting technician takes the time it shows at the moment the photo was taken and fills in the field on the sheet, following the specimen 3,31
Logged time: 4,34
